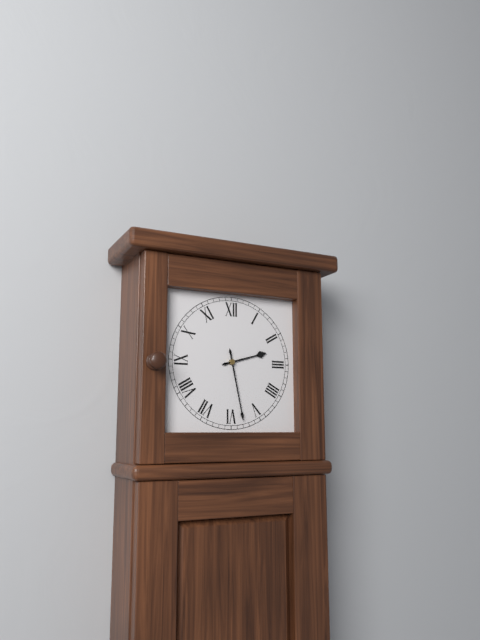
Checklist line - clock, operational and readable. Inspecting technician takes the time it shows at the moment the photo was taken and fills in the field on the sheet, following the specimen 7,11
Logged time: 2,28
